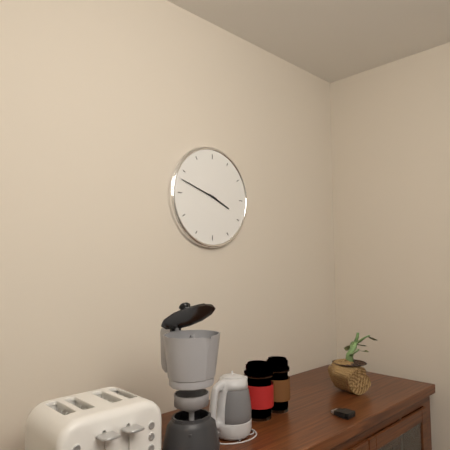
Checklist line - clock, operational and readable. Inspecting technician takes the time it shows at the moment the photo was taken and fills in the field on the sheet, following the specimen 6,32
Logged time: 3,48
